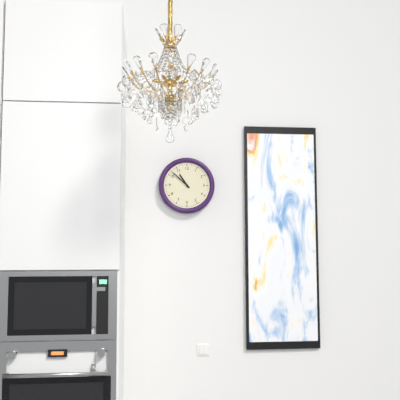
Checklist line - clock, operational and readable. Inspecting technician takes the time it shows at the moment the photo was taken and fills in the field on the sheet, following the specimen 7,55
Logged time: 10,52
